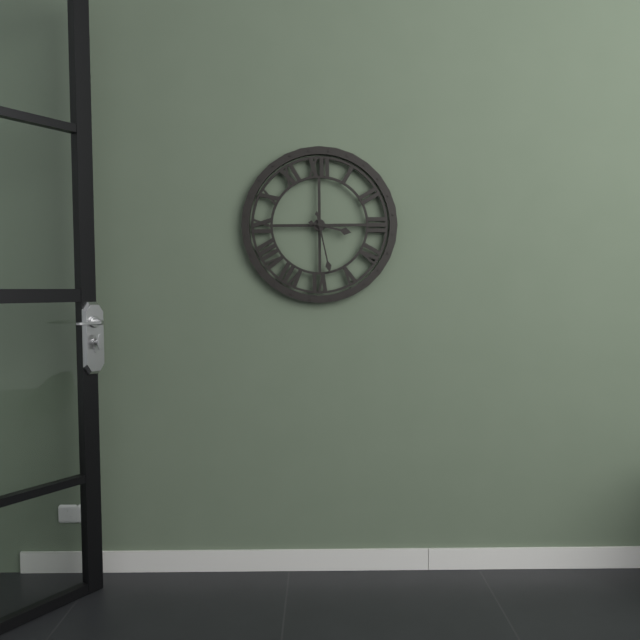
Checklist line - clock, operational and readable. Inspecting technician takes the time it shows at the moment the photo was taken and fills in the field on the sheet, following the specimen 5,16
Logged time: 3,28
